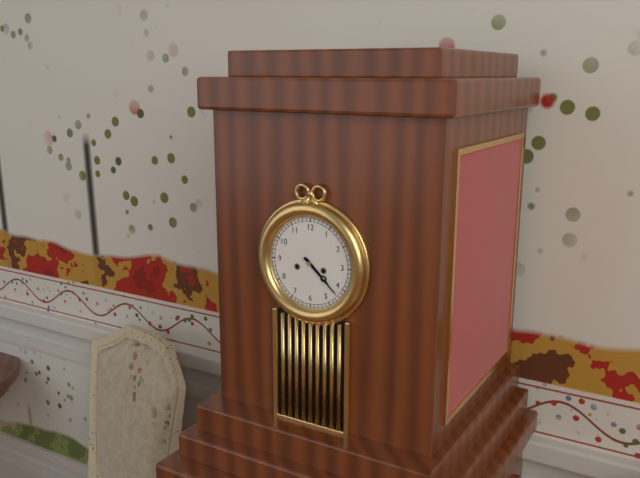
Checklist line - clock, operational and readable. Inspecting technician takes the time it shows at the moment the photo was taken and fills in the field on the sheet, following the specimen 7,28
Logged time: 4,22
